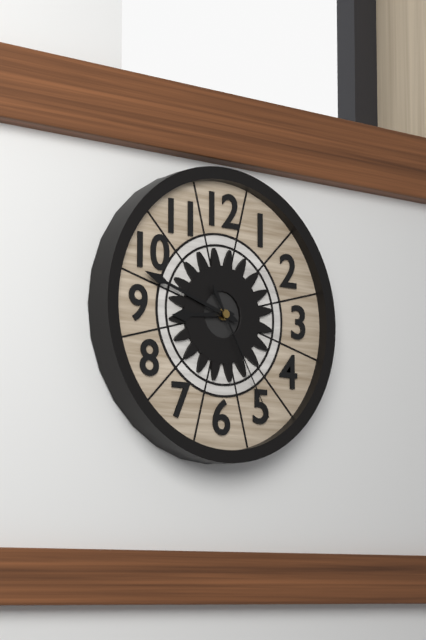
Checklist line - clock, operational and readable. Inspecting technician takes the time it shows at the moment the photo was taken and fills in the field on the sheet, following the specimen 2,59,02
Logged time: 8,48,25
